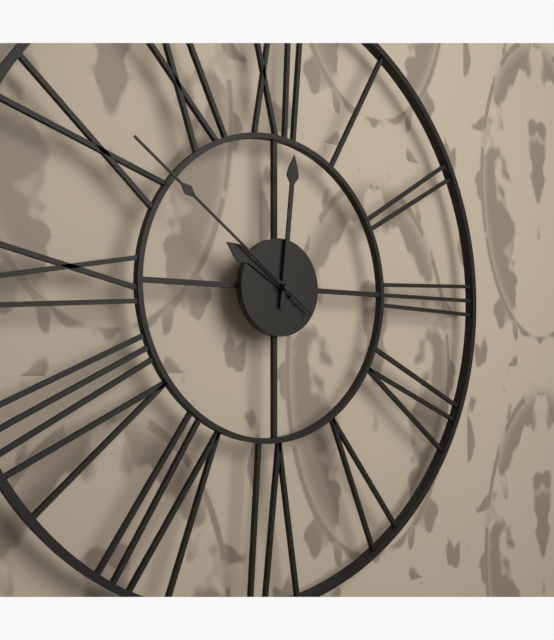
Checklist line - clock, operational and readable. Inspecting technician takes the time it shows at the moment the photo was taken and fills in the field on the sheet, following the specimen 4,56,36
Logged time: 10,01,51
